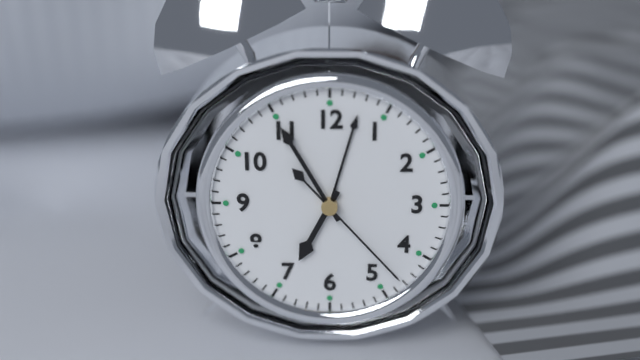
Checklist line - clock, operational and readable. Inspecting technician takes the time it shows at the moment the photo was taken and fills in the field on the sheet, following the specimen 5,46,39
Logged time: 6,55,23
